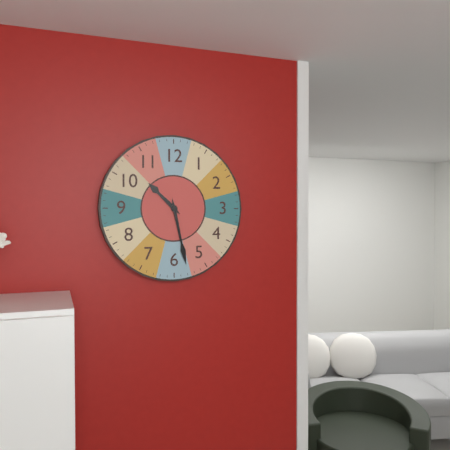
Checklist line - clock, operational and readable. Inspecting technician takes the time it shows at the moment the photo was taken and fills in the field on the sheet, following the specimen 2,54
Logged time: 10,28
